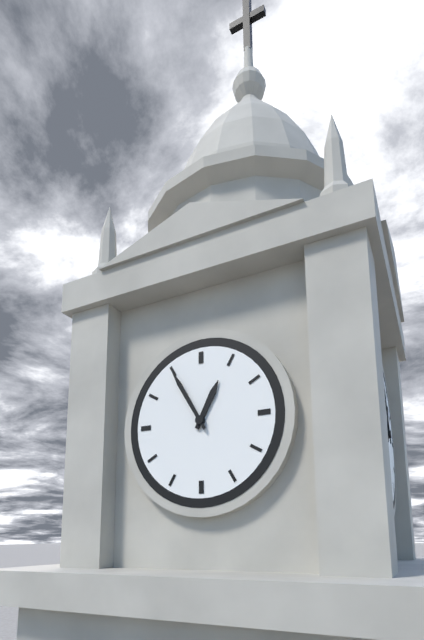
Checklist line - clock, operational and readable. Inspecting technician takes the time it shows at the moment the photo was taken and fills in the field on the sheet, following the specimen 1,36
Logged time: 12,55
